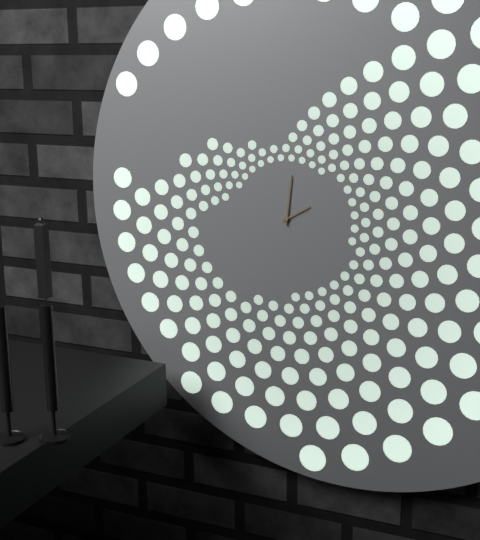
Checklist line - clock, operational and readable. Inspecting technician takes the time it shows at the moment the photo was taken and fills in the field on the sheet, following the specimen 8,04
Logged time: 2,01
